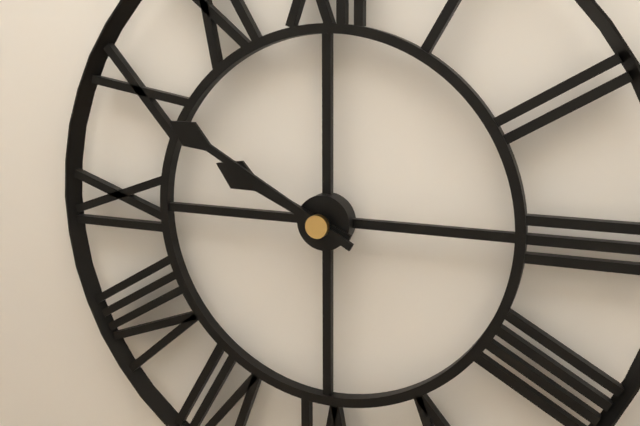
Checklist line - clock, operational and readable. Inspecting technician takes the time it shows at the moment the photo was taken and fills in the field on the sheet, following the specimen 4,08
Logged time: 9,50
